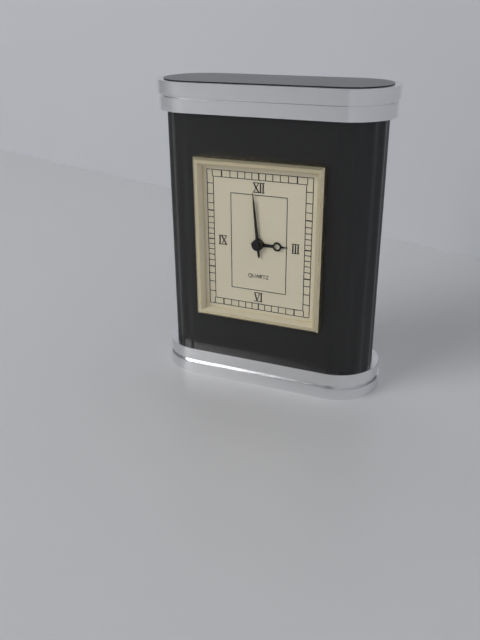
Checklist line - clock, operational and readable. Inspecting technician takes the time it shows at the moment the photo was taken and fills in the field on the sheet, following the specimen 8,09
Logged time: 2,59
